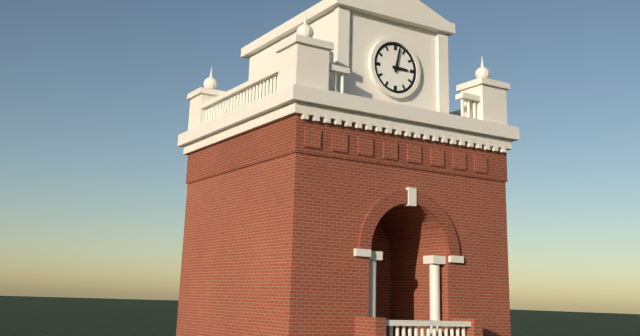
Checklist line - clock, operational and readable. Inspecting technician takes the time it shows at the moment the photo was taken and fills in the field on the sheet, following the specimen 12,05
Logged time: 3,02
